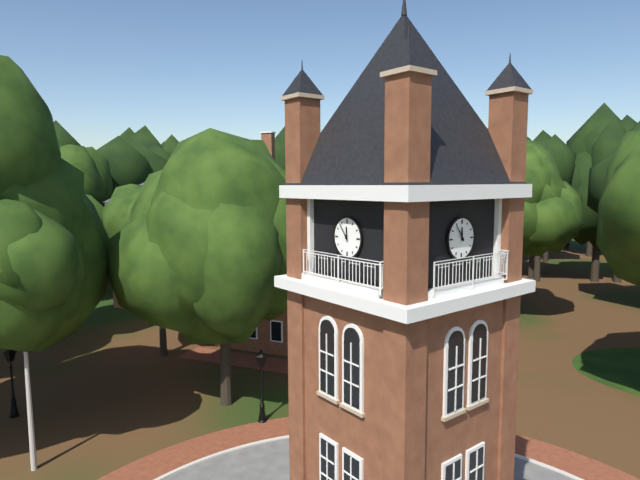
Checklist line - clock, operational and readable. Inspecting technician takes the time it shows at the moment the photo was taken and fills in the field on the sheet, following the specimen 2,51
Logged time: 11,54
